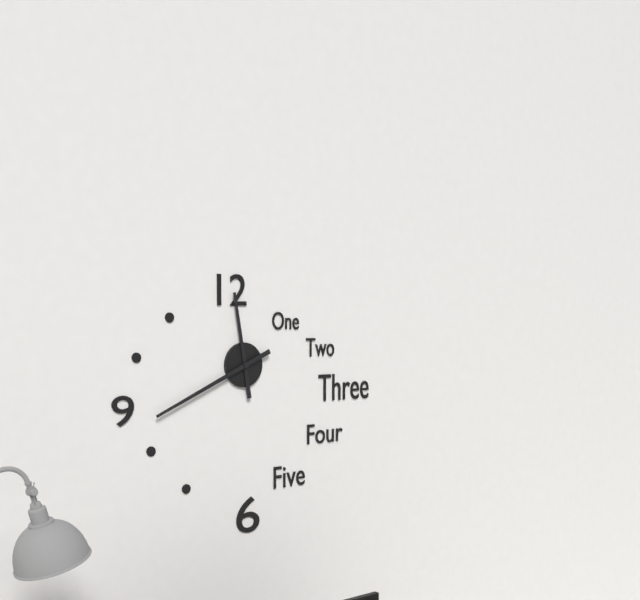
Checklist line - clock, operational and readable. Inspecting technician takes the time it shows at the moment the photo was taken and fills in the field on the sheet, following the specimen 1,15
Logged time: 11,41
